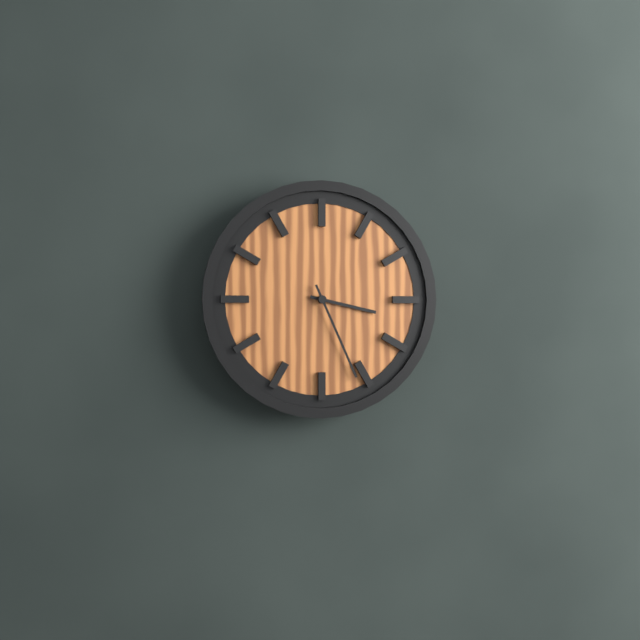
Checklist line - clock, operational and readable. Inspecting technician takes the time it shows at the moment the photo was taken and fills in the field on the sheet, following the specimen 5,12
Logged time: 3,26
